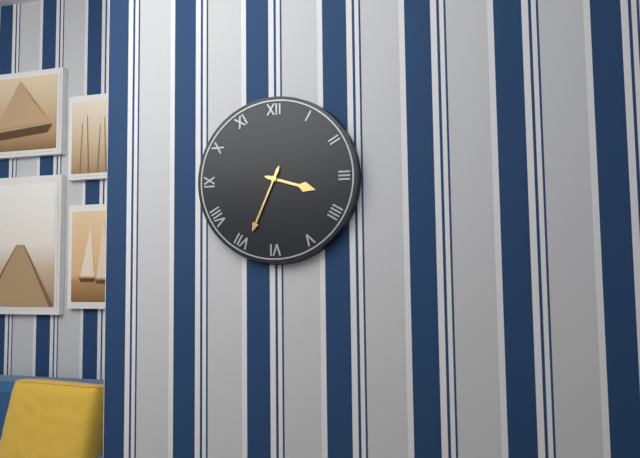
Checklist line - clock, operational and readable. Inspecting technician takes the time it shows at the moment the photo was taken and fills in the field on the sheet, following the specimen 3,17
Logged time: 3,34
